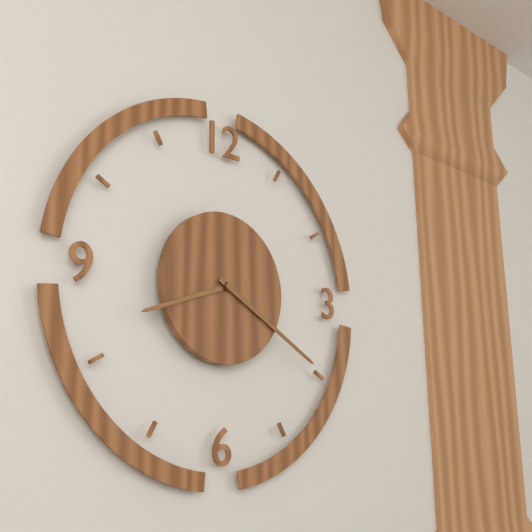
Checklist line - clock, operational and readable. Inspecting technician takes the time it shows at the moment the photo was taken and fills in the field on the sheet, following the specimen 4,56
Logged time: 8,20
